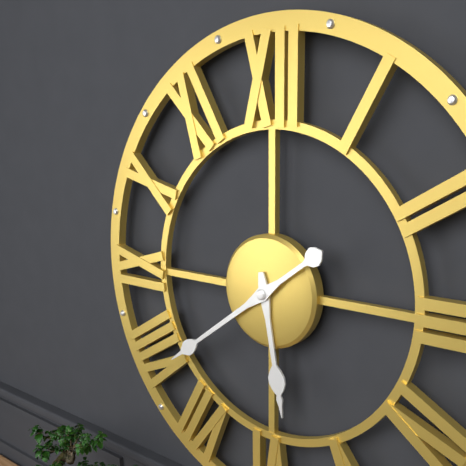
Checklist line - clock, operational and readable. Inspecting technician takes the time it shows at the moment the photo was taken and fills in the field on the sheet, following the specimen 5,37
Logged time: 5,39
